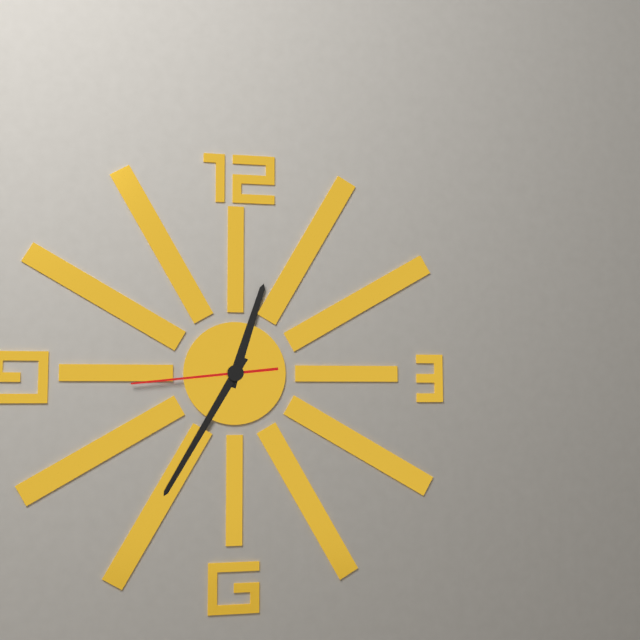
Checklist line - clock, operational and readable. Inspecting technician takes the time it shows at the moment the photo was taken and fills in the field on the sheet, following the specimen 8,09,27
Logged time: 12,35,44
